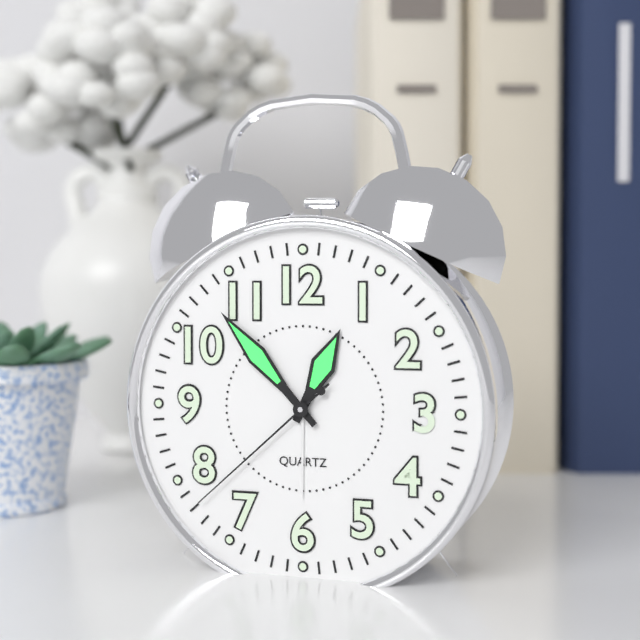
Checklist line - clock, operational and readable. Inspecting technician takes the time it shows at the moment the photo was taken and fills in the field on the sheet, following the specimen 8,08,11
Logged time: 12,53,38
